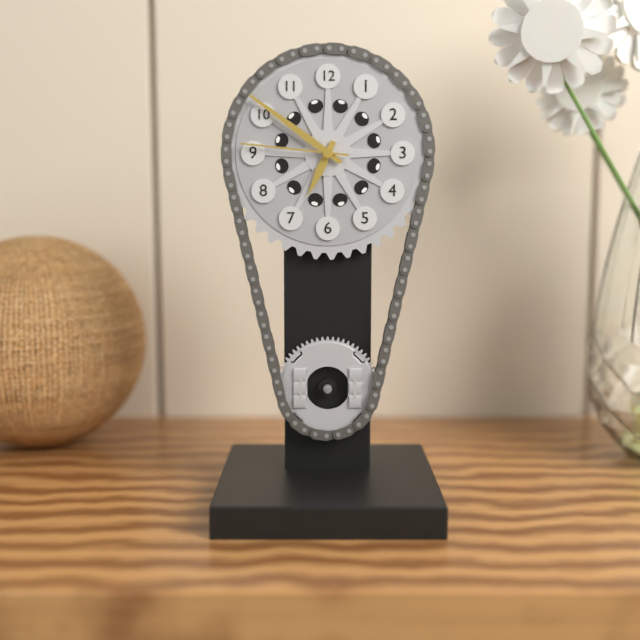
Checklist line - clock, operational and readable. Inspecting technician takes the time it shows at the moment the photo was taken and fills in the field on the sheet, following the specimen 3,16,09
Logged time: 6,51,46
